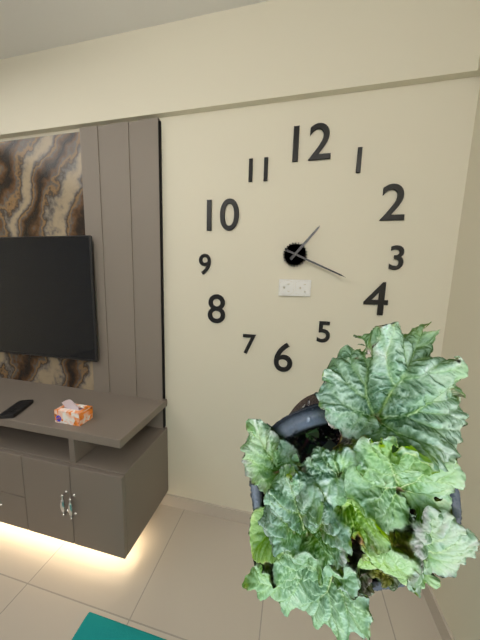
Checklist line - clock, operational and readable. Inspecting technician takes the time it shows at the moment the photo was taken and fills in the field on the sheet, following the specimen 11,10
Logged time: 1,19
